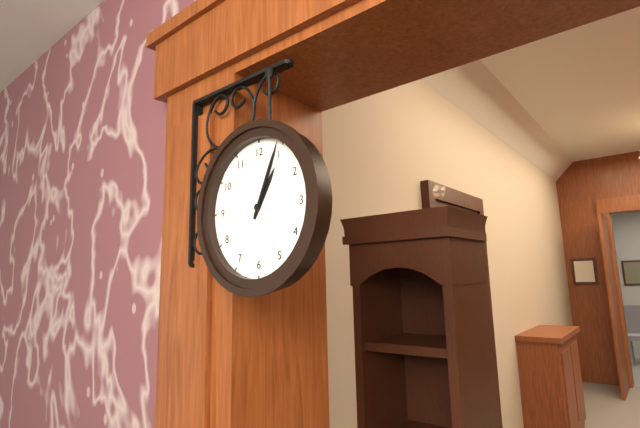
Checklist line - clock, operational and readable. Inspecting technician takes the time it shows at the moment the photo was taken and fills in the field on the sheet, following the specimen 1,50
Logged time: 1,04
